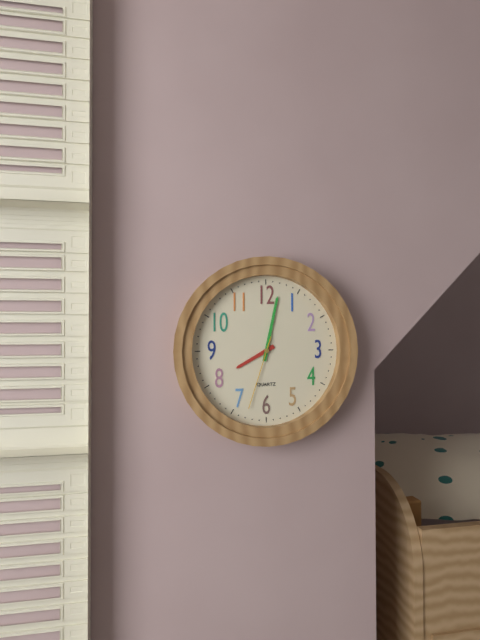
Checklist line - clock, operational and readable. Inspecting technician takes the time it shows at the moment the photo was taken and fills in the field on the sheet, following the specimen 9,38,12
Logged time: 8,02,33
